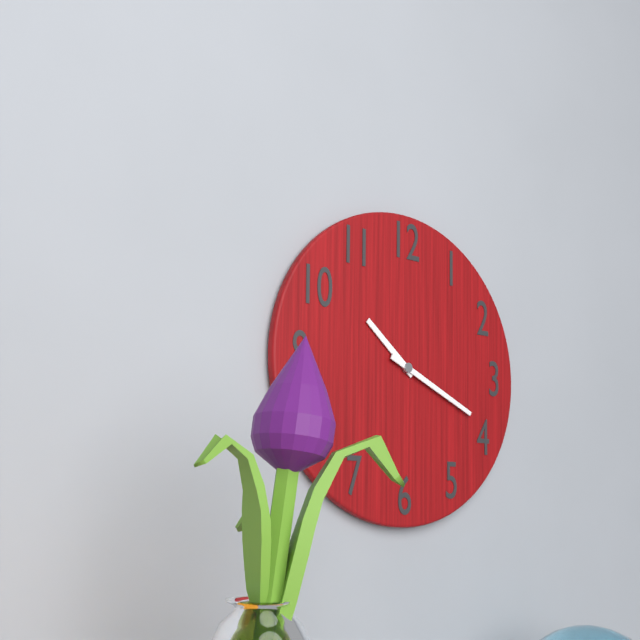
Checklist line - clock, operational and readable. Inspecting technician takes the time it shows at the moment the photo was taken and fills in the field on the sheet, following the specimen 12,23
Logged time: 10,19
